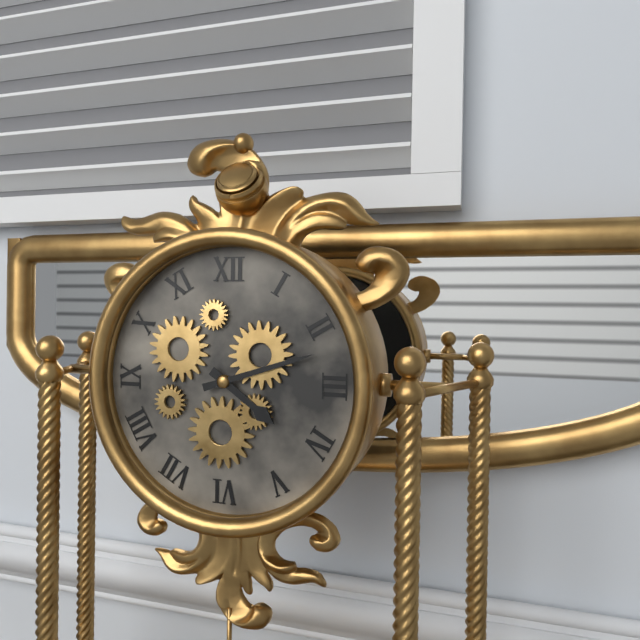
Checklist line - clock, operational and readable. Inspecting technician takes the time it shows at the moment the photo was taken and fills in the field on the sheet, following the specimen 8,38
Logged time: 4,12
